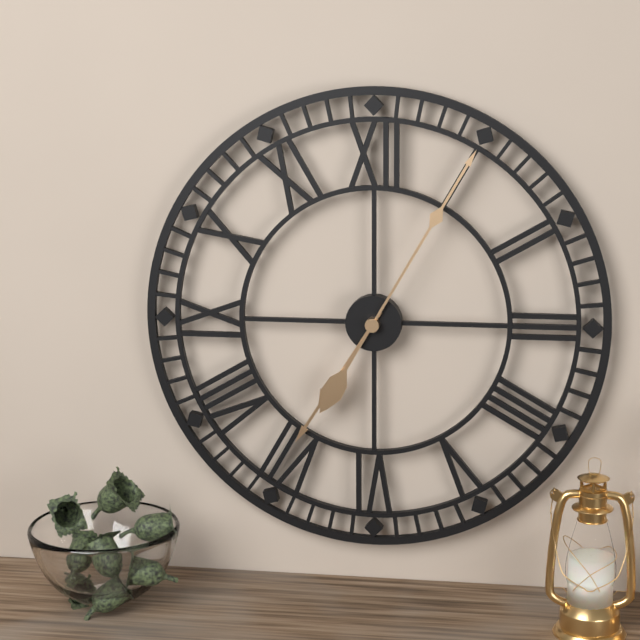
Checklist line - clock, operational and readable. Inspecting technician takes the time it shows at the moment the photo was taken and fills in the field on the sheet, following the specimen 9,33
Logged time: 7,05
